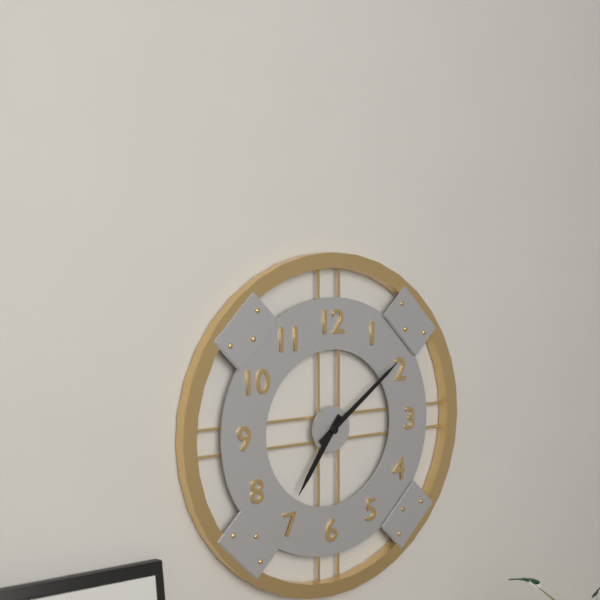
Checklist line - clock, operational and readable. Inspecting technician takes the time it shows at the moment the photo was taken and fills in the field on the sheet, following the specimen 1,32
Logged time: 7,09
